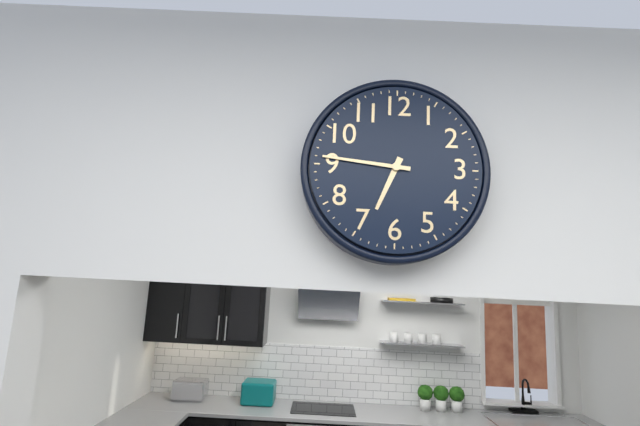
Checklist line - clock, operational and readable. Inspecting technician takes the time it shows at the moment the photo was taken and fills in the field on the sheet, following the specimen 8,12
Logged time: 6,46
